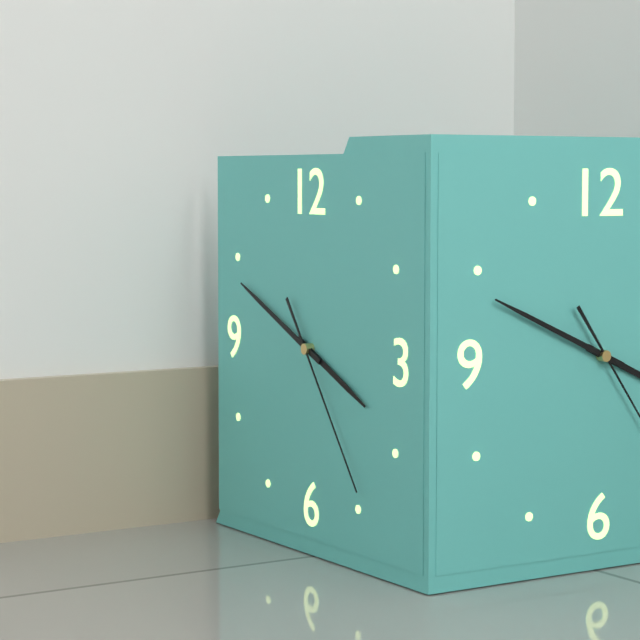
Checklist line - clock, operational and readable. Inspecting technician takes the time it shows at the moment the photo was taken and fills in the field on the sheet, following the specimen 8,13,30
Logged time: 3,49,24
